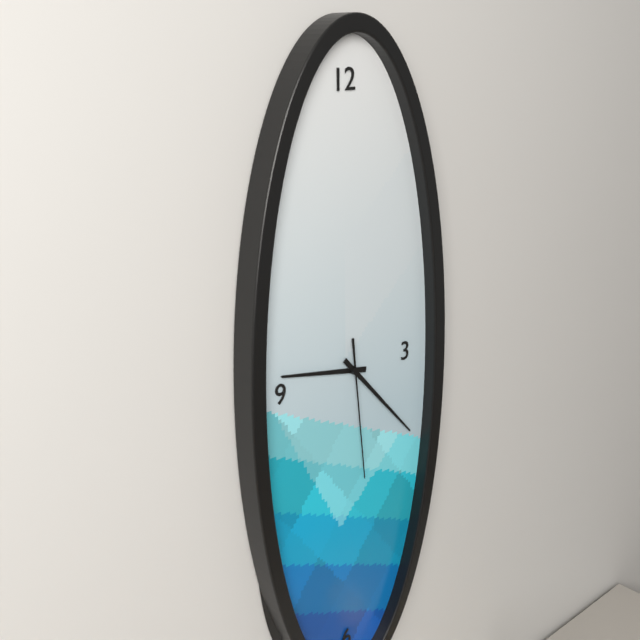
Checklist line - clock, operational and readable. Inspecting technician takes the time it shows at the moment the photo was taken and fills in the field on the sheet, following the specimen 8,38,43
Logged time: 9,23,29
